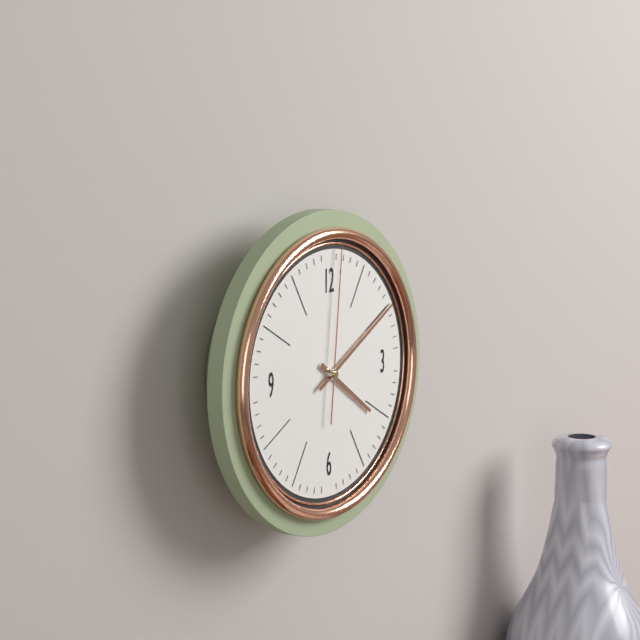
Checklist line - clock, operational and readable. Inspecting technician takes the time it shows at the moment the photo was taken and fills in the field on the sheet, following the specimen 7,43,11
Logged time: 4,10,01
